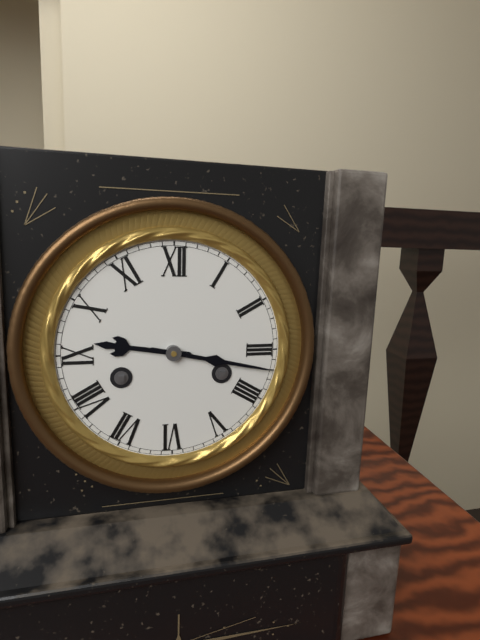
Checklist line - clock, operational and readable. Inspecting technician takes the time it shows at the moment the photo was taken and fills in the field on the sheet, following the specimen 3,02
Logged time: 9,17
